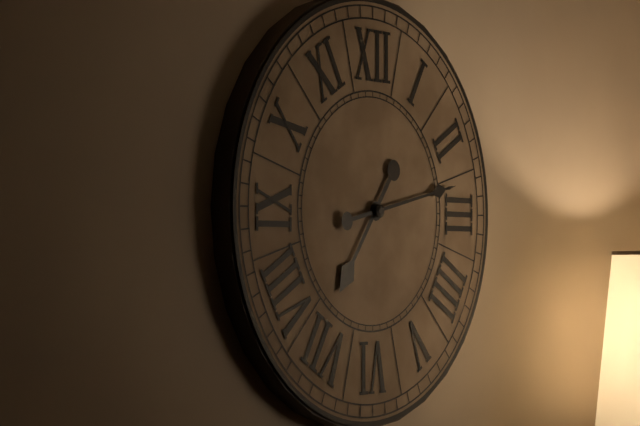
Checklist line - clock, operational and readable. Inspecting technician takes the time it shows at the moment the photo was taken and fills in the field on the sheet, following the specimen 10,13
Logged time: 7,13
